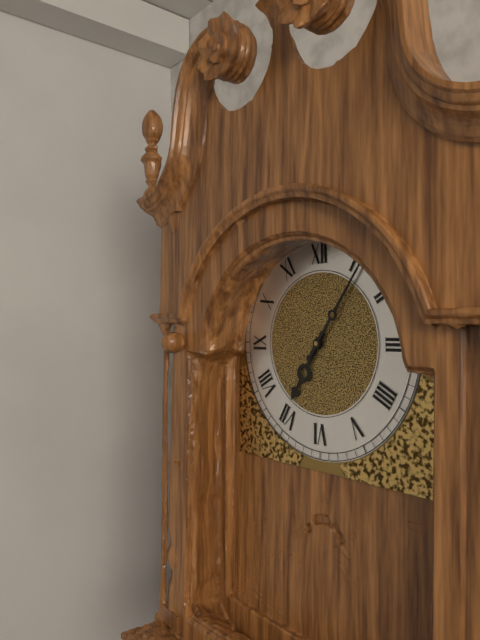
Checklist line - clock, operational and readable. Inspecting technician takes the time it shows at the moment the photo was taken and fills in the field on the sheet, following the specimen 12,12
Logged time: 7,06
